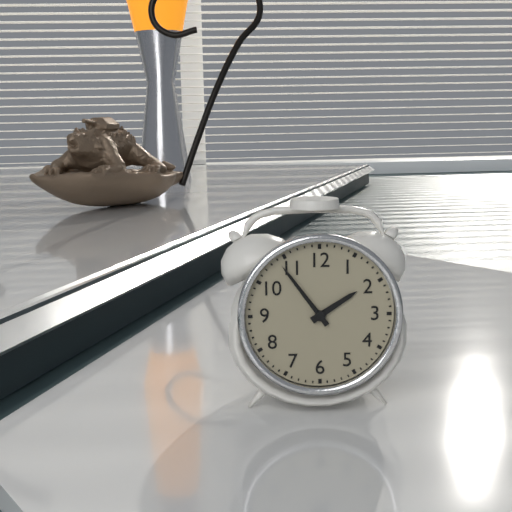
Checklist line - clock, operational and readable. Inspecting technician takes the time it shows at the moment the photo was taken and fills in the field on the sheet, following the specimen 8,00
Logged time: 1,54
